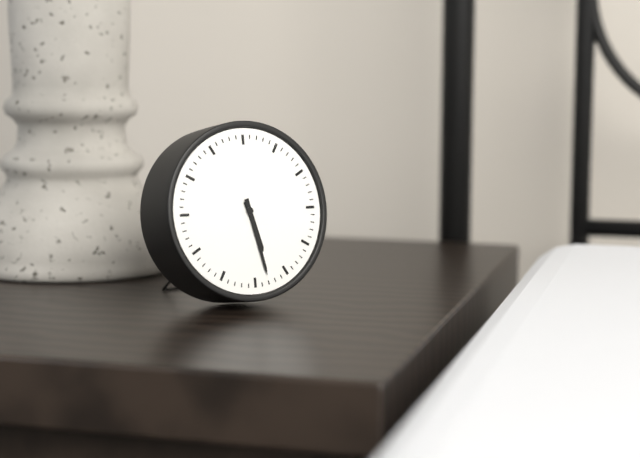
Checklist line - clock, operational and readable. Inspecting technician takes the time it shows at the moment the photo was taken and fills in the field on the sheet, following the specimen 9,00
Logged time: 5,28
